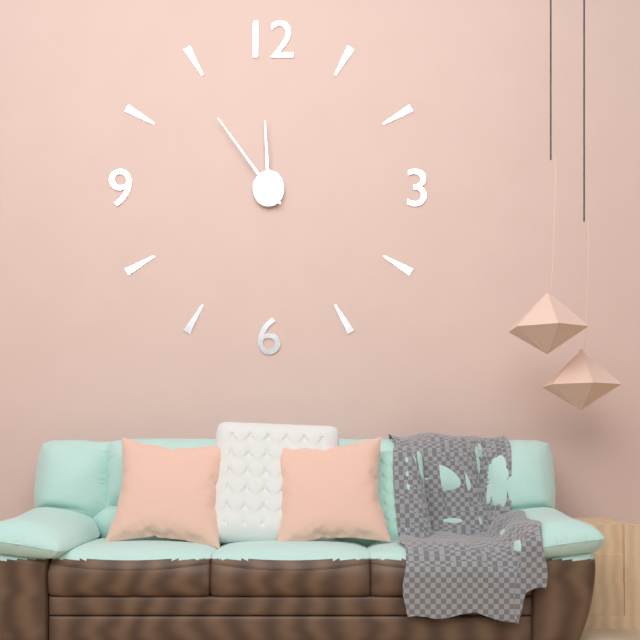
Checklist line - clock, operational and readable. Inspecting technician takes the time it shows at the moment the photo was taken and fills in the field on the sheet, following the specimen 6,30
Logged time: 11,54
